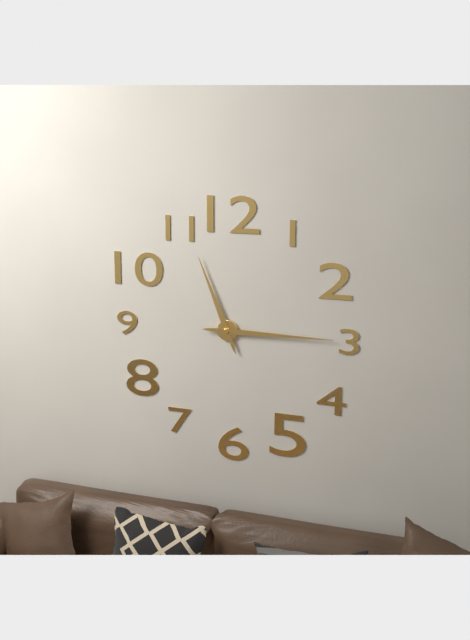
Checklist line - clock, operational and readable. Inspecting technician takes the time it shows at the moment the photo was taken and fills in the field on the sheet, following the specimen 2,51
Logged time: 11,15
